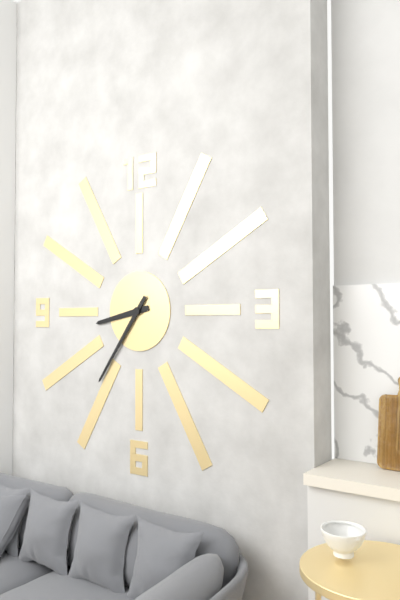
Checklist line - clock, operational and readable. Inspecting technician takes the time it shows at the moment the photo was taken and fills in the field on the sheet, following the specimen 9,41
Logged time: 8,36
